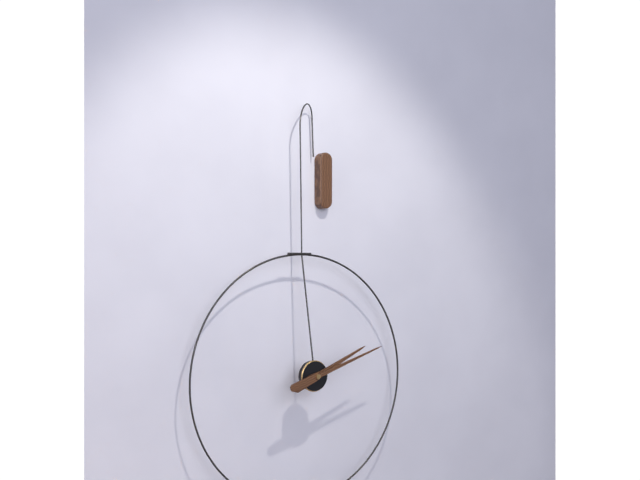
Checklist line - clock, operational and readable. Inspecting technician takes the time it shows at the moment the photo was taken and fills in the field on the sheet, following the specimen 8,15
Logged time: 2,12
